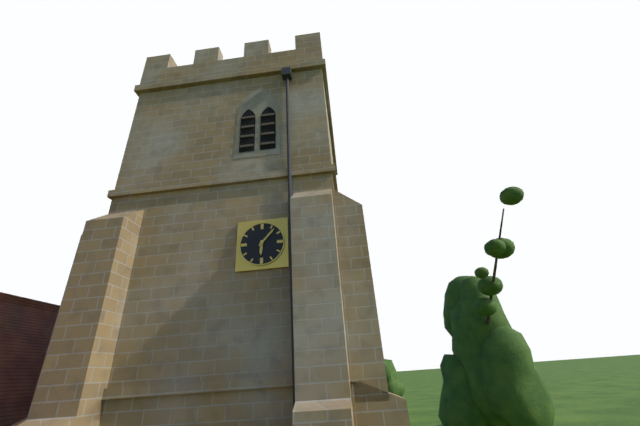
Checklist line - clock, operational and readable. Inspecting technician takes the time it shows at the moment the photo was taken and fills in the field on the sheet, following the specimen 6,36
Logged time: 6,07
